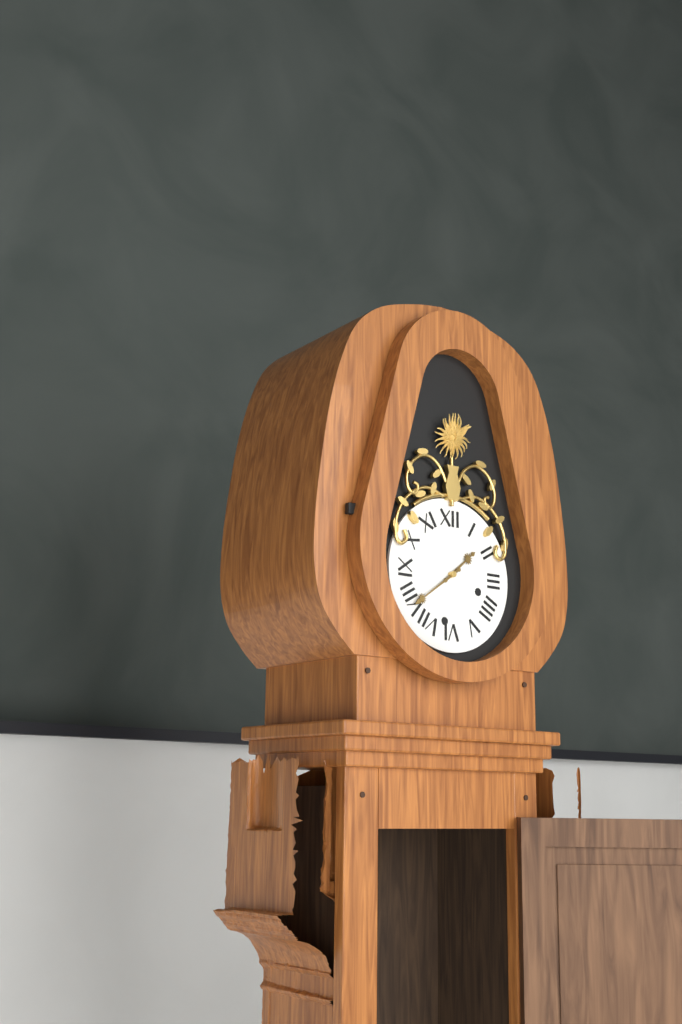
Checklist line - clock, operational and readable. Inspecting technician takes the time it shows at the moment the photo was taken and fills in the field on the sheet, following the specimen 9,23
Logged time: 1,39
